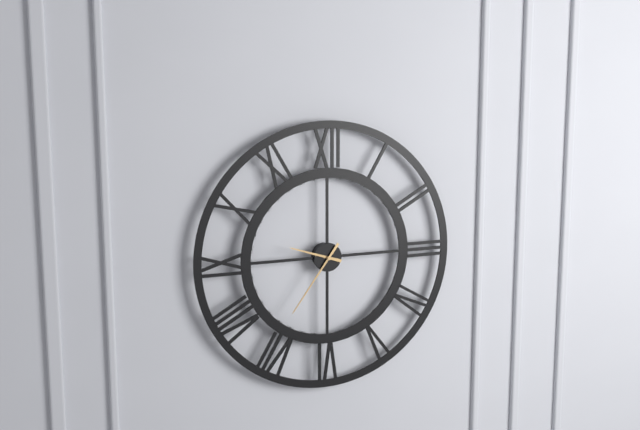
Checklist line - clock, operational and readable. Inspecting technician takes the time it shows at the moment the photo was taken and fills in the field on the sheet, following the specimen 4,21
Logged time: 9,36
